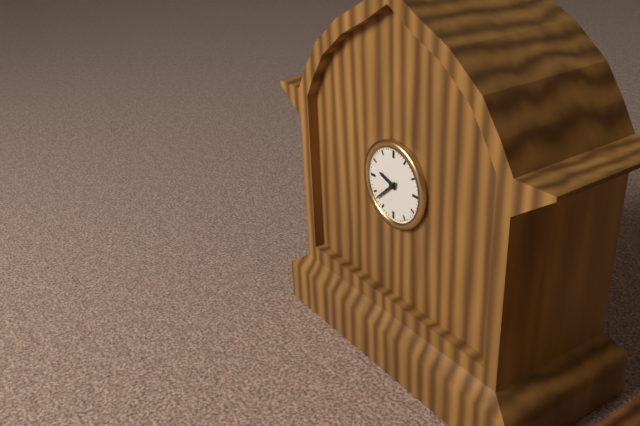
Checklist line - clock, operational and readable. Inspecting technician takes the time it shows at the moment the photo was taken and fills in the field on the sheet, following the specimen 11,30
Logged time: 9,38
